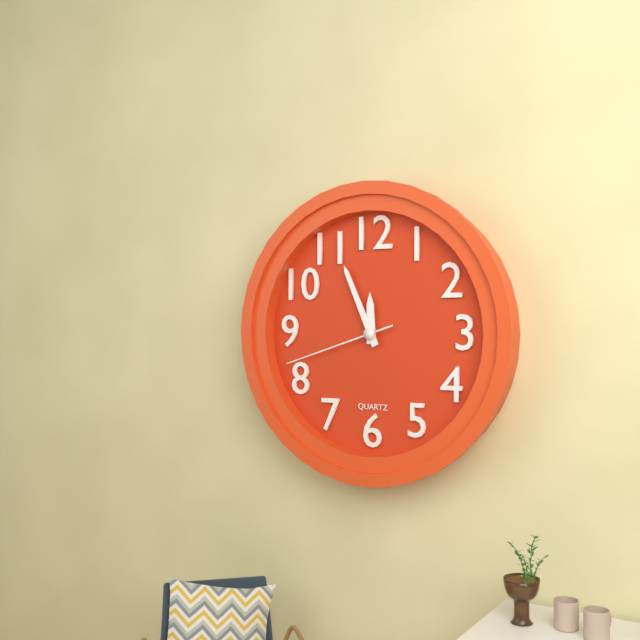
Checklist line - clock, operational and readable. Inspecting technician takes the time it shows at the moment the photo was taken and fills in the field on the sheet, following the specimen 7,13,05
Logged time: 11,56,42
